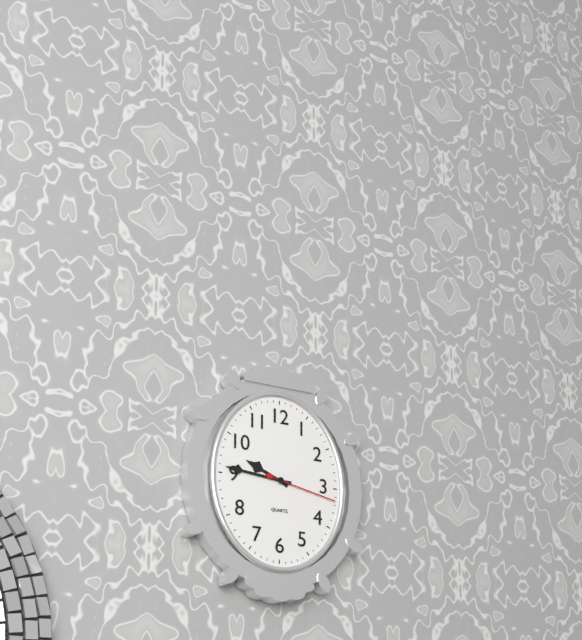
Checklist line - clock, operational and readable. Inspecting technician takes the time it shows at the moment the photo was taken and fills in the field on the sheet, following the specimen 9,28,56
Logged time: 9,46,17
